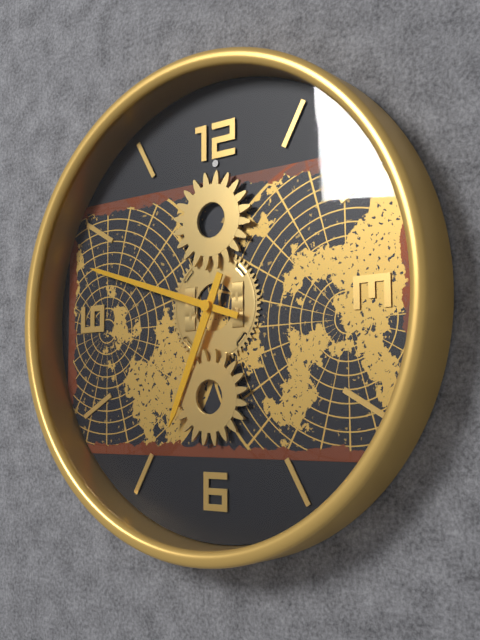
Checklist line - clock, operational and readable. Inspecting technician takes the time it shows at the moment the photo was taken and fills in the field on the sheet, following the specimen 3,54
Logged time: 6,48
